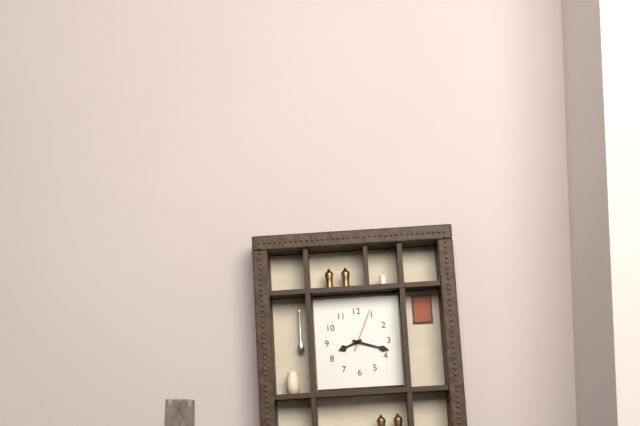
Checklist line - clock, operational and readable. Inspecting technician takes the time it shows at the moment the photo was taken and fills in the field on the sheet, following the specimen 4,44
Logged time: 8,18
